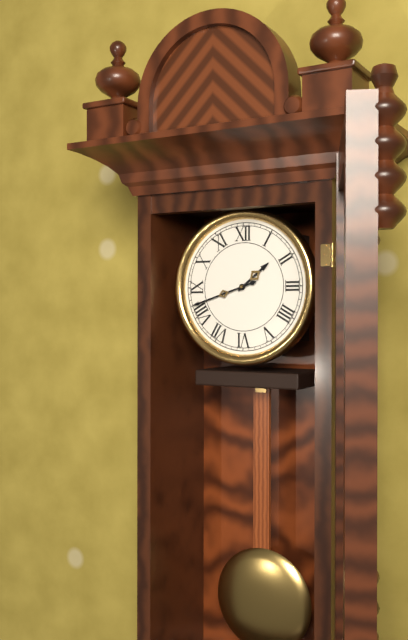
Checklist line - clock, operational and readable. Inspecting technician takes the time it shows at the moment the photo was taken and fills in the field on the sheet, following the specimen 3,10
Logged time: 1,42
